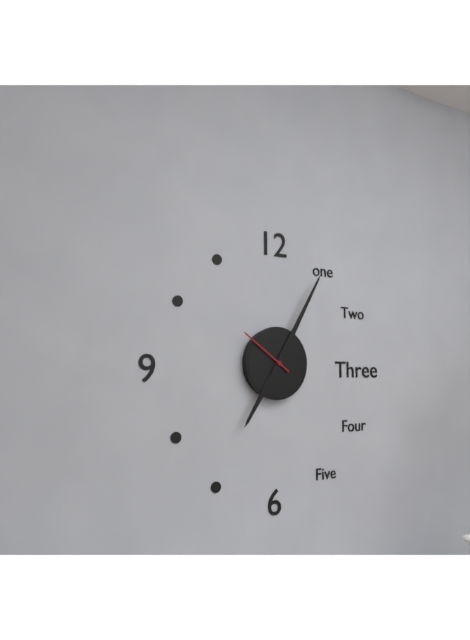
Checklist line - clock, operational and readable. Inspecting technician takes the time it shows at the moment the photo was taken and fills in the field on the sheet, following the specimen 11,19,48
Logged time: 7,05,51
